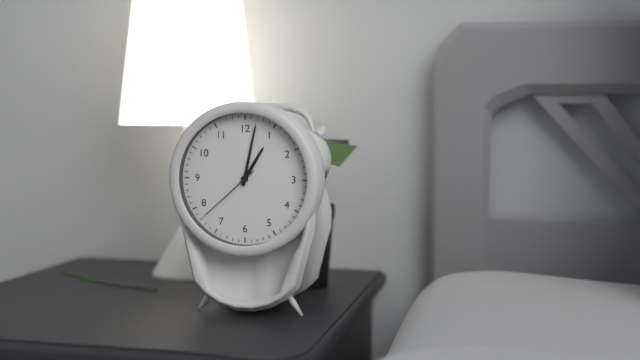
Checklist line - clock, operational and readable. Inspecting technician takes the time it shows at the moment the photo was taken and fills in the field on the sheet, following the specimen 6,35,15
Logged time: 1,02,38
